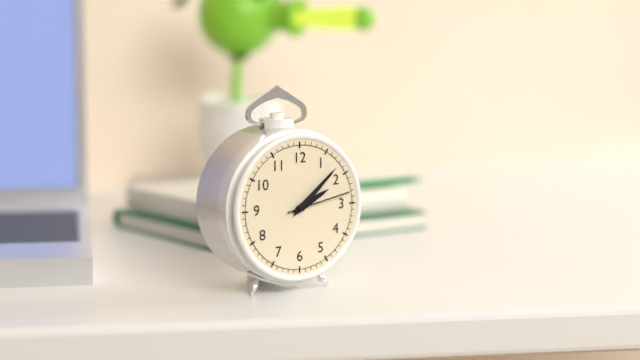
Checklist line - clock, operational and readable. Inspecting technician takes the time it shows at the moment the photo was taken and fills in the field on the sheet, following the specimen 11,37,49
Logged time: 2,08,13
